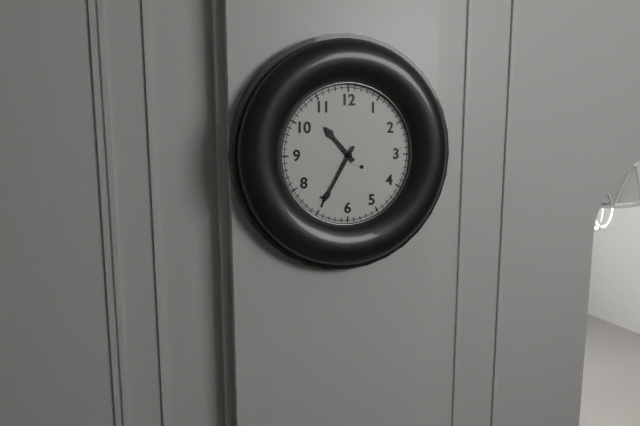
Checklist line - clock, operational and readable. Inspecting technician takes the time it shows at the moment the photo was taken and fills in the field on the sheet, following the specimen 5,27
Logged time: 10,35
